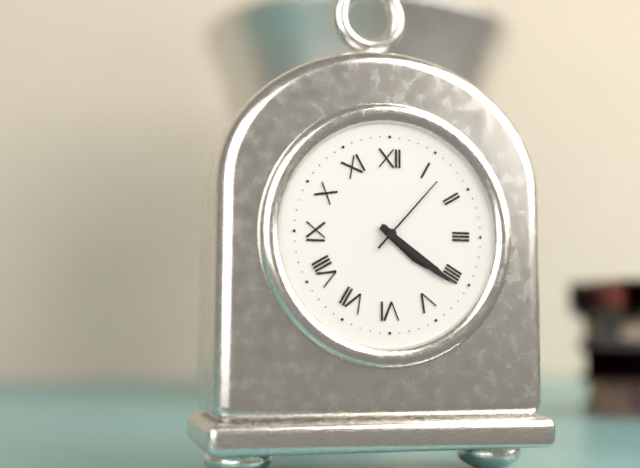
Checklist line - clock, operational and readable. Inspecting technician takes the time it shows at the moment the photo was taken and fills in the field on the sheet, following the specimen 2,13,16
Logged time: 4,21,07
